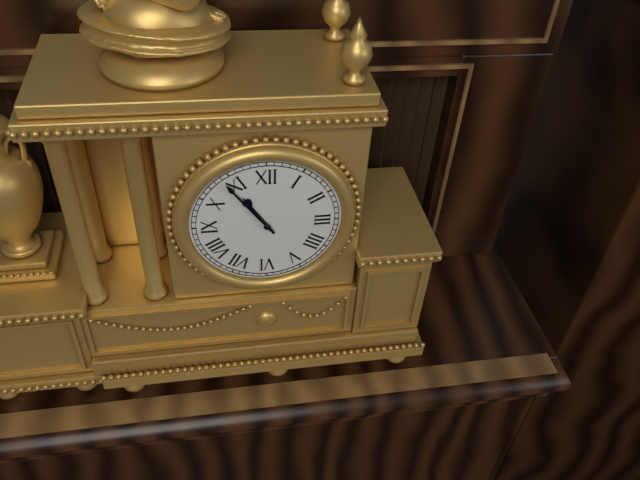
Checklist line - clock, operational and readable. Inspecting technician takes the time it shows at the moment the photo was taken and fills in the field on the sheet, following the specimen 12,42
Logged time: 10,54
